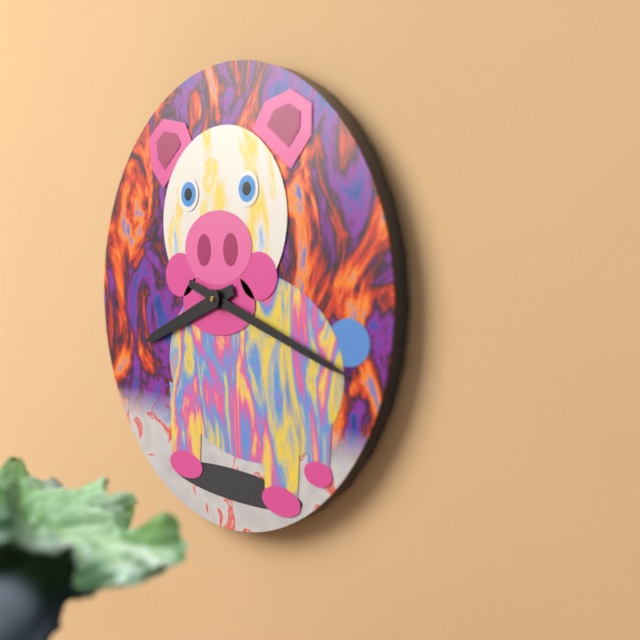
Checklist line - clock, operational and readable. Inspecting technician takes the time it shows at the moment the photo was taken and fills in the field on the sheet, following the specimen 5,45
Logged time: 8,18
